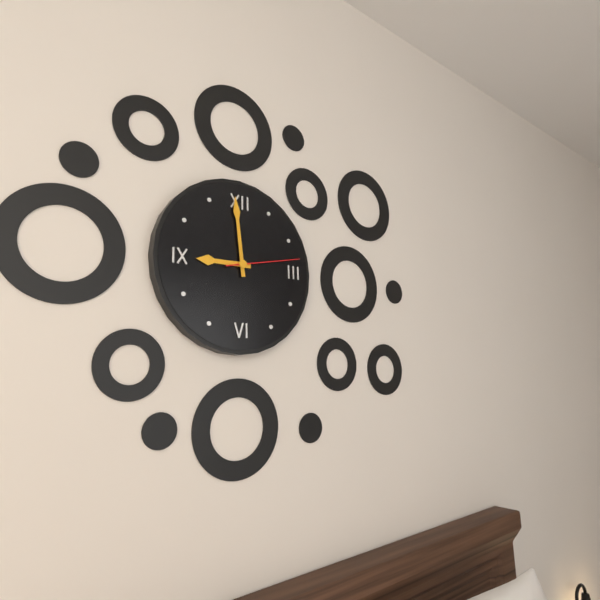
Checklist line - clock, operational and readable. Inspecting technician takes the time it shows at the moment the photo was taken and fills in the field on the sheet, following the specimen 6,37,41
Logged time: 8,59,13
